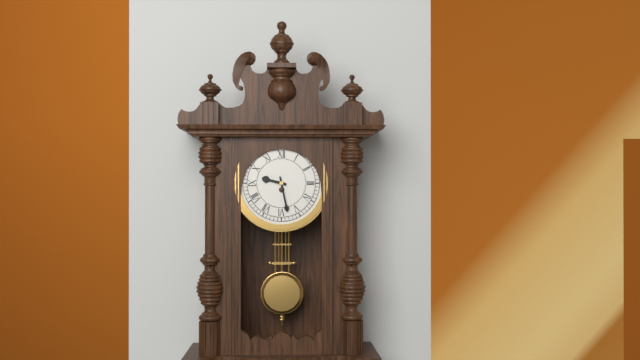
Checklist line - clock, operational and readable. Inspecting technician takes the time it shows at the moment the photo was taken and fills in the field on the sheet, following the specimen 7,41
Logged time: 9,28
